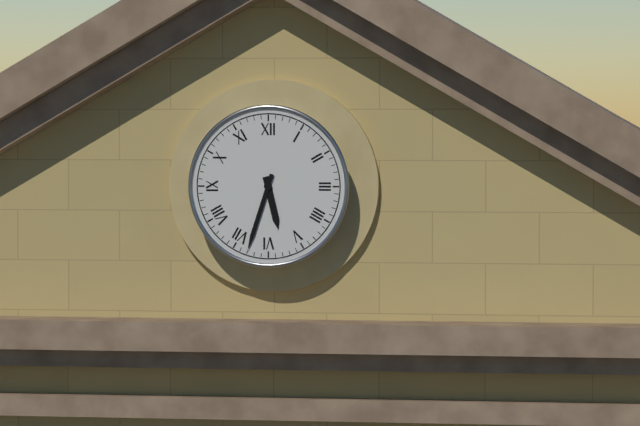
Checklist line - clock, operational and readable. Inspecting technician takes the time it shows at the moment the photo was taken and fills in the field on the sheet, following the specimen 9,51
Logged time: 5,33
